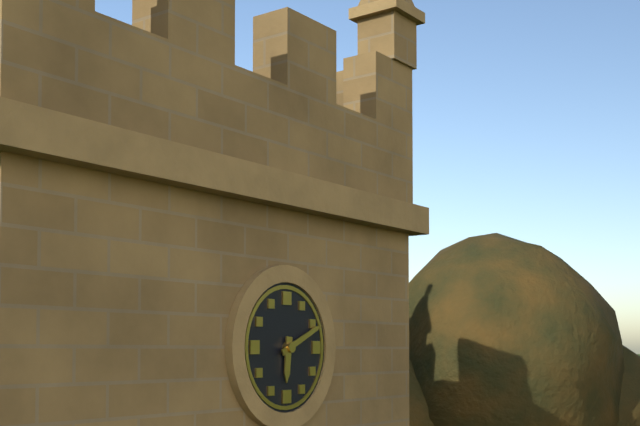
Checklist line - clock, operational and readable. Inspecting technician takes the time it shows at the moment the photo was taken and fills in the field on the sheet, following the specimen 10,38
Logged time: 6,11
